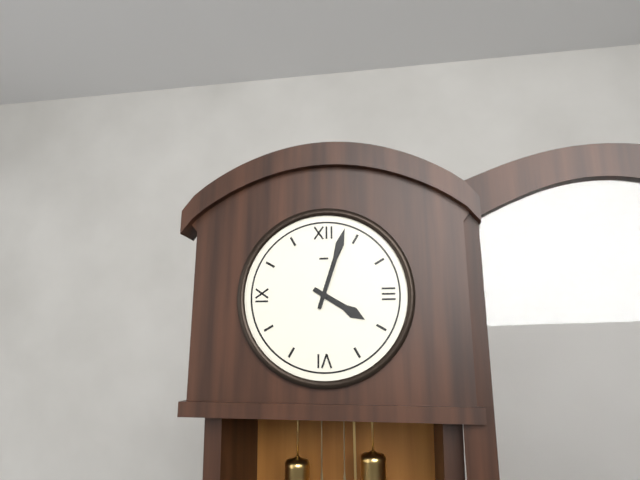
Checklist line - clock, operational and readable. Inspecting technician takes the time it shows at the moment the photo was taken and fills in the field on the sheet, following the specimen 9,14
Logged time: 4,03
